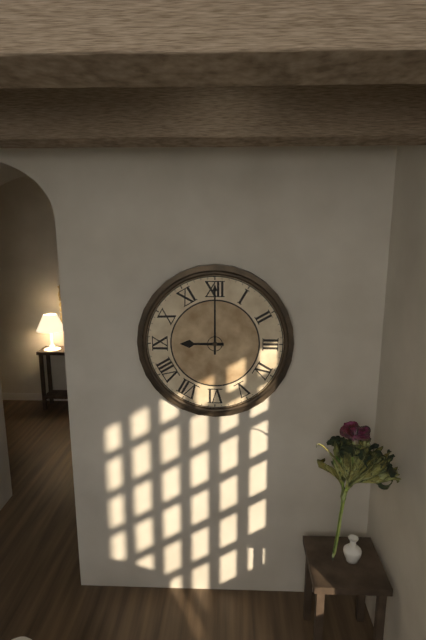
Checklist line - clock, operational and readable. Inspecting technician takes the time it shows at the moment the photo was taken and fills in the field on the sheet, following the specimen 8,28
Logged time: 9,00
